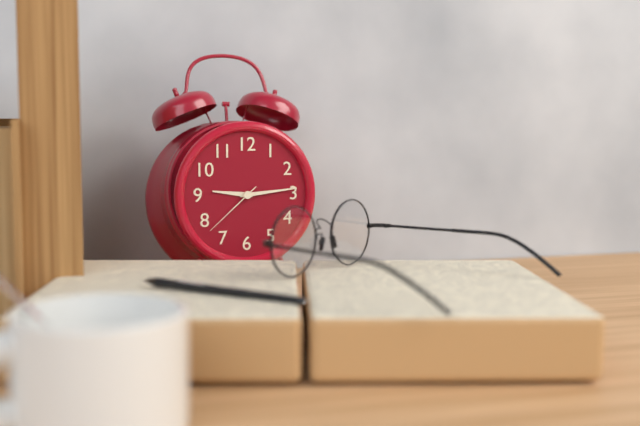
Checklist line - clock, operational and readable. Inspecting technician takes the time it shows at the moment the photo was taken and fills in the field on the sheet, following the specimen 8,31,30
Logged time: 9,14,38
